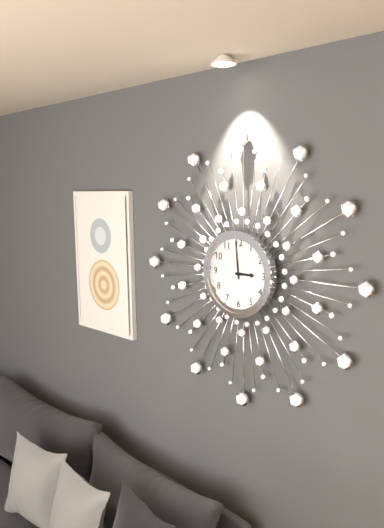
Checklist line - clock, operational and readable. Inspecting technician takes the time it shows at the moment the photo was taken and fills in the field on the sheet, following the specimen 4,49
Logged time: 2,59
